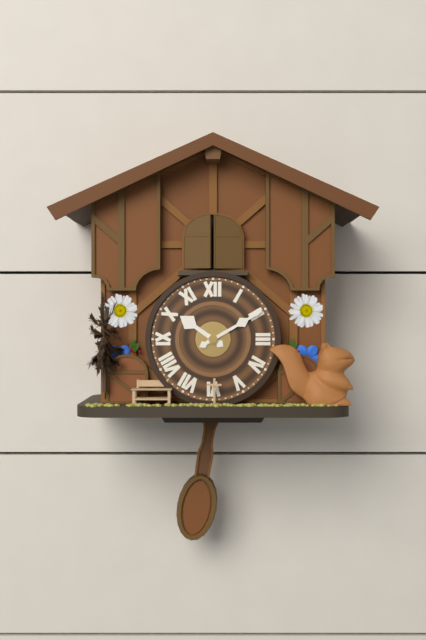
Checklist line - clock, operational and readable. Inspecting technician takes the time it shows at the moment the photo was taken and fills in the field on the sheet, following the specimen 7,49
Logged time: 10,10
